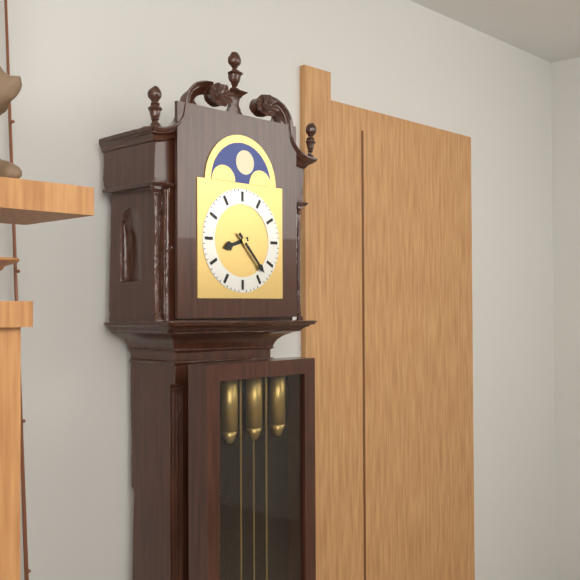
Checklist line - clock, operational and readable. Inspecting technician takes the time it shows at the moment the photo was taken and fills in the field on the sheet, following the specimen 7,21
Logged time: 8,23
